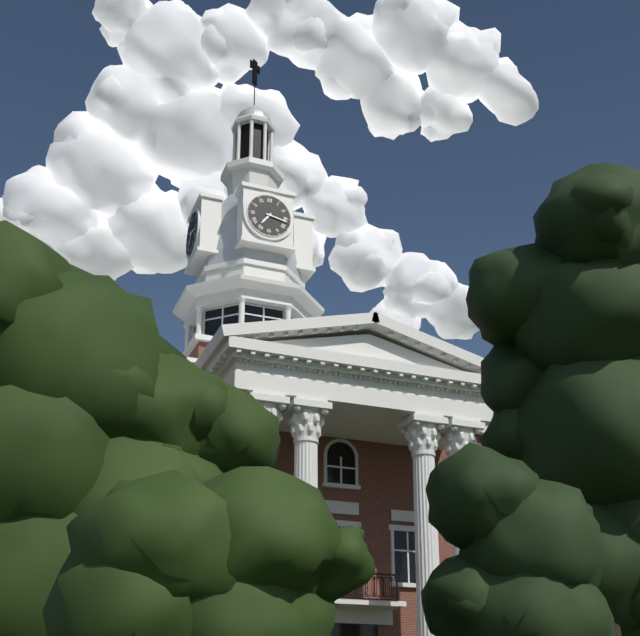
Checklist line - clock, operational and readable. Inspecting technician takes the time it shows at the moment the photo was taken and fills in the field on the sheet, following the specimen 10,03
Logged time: 7,17
